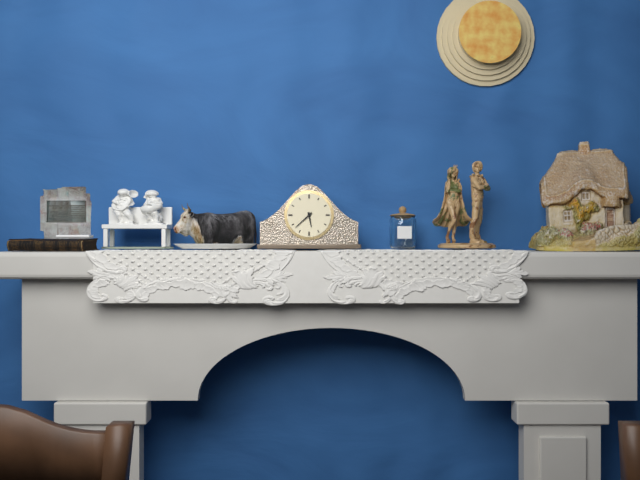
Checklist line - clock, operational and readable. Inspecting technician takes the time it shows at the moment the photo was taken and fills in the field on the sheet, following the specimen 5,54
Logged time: 5,38
